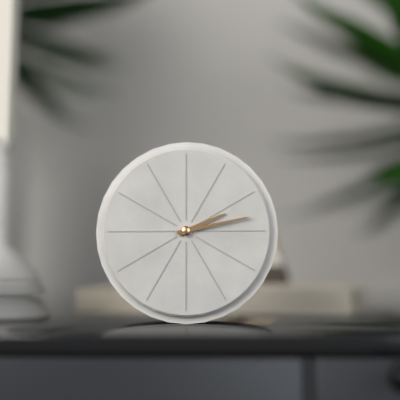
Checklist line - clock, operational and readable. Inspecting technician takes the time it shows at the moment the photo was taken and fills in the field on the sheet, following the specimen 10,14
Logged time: 2,13
